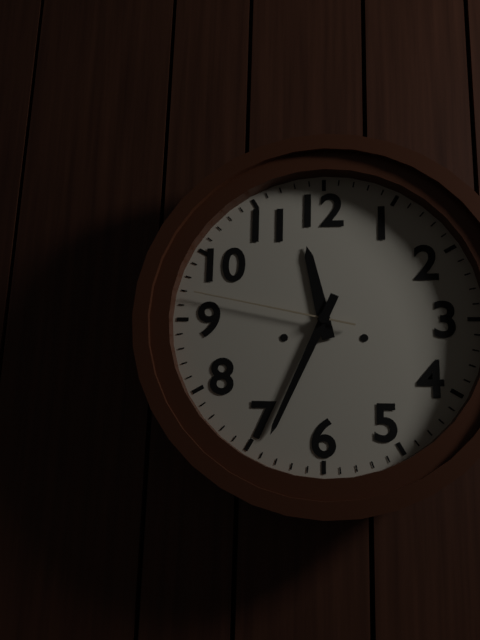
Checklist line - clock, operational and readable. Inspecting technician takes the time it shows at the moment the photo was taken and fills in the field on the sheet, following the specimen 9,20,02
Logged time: 11,34,47
